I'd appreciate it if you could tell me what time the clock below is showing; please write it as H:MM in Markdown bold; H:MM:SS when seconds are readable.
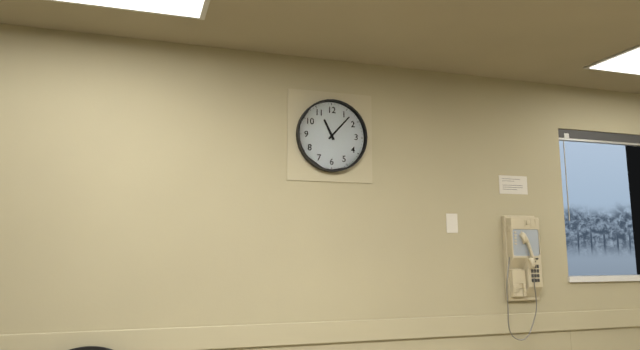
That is **11:07**
